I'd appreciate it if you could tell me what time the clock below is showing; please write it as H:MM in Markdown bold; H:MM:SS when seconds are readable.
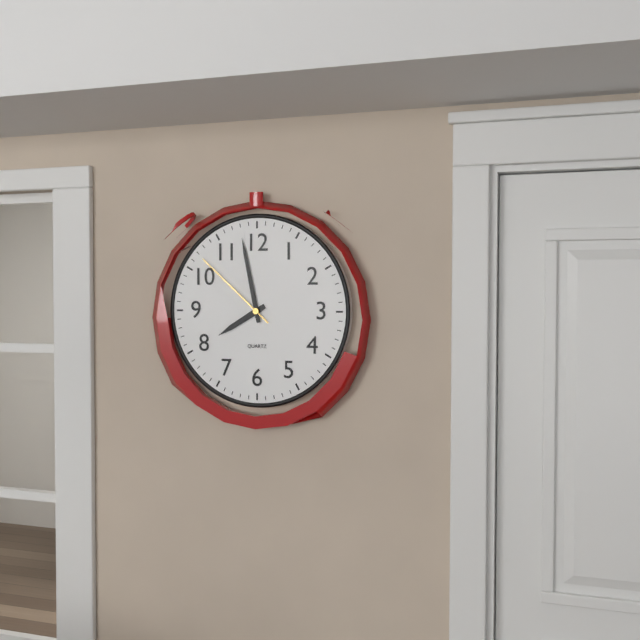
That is **7:58:52**
